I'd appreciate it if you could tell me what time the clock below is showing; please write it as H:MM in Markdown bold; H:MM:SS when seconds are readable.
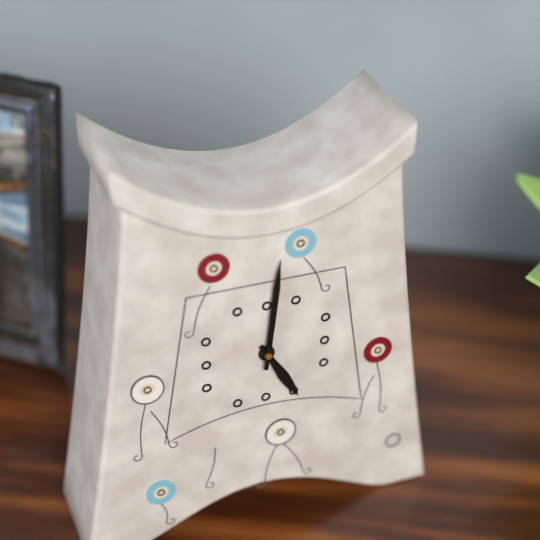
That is **5:01**
